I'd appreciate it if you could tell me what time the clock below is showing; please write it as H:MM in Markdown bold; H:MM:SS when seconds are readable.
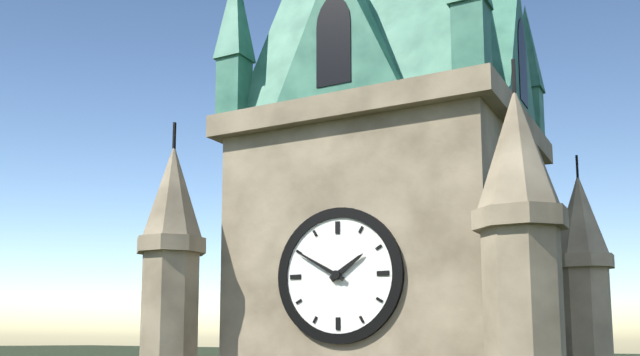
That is **1:50**
